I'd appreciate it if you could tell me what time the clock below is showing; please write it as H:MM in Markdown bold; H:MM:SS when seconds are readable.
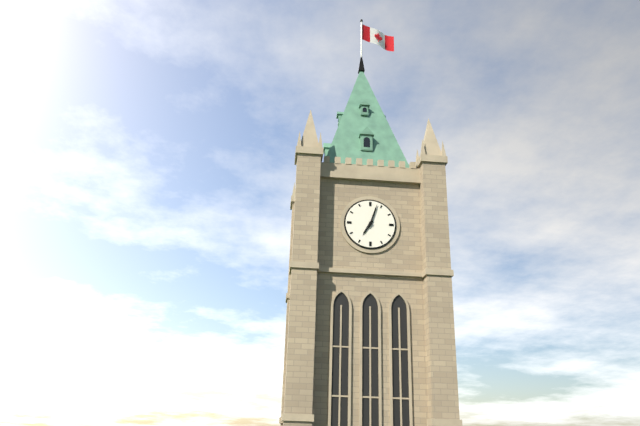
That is **7:03**
